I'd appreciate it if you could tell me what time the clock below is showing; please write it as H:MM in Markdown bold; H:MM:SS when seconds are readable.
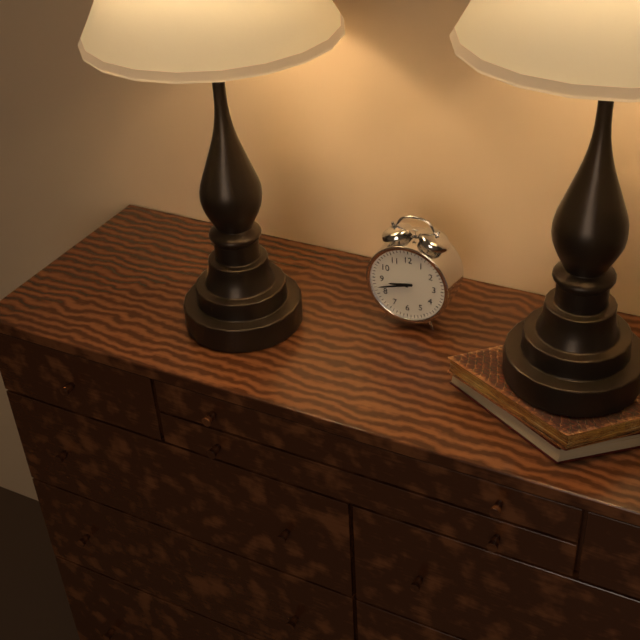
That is **8:42**
